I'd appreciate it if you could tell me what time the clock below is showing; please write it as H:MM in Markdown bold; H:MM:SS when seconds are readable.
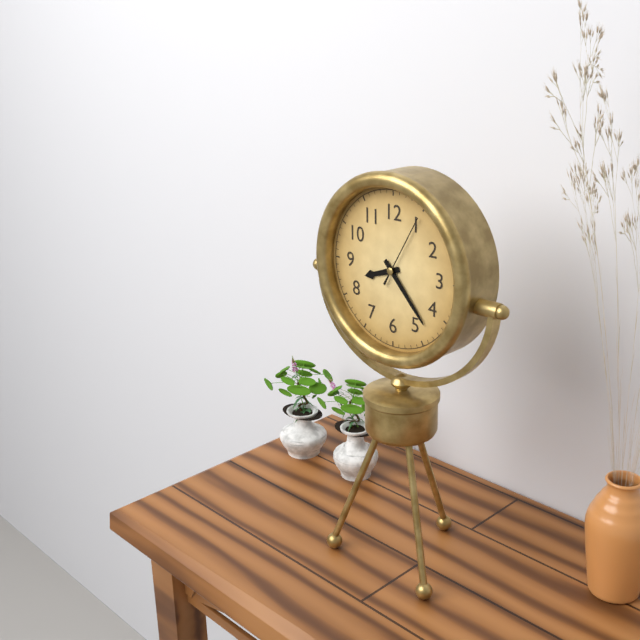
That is **8:23:05**
